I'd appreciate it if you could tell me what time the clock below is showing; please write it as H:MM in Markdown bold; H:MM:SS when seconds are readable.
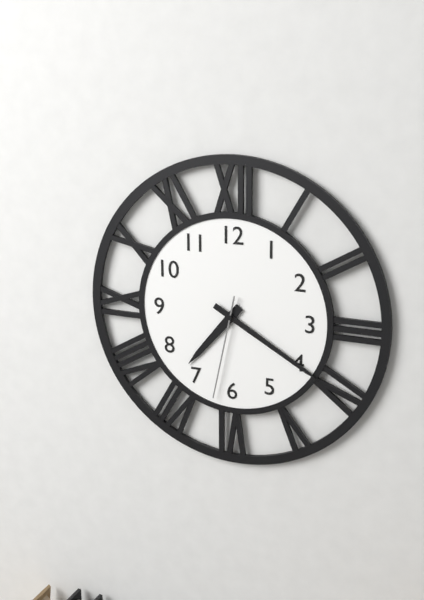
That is **7:20:32**
